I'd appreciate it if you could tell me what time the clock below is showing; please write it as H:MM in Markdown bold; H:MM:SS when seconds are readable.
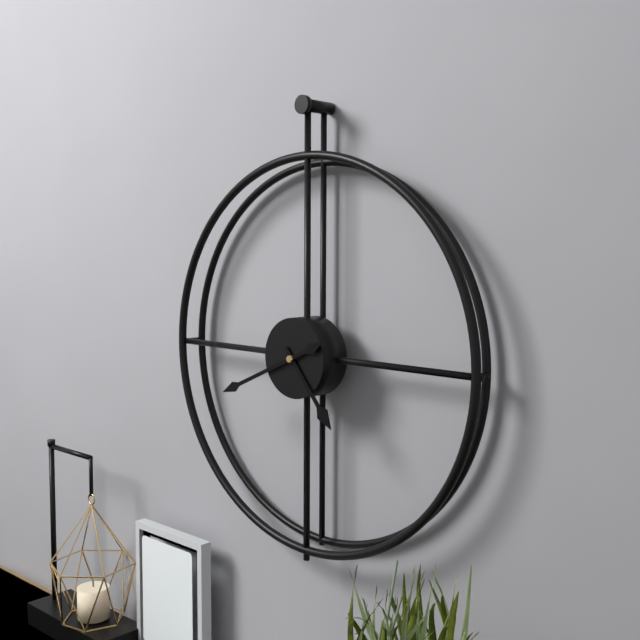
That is **4:41**
